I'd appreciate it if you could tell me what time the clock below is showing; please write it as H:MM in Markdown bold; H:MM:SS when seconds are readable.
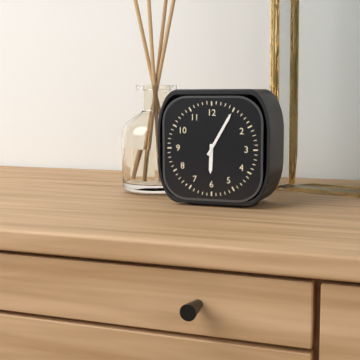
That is **6:05**
